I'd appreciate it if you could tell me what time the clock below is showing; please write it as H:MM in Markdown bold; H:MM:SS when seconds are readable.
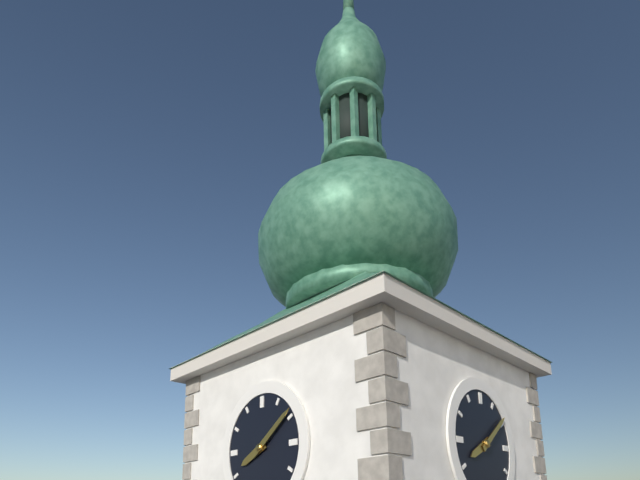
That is **8:09**
